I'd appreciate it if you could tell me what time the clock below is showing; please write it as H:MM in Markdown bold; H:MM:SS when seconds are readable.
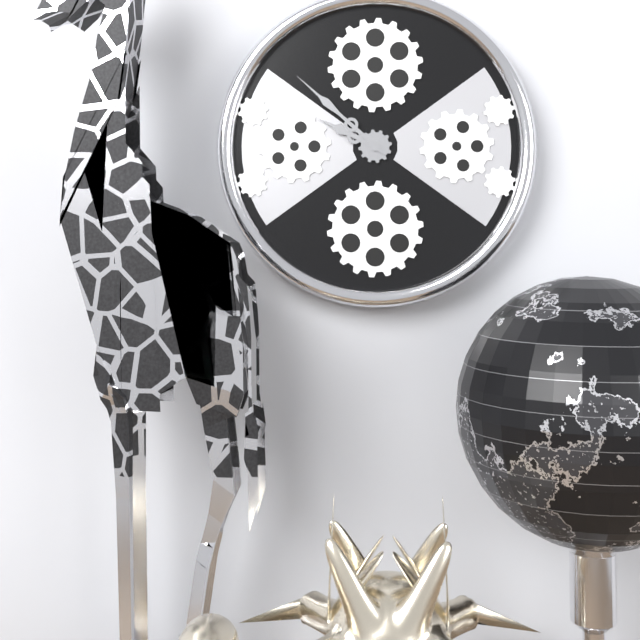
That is **9:52**
